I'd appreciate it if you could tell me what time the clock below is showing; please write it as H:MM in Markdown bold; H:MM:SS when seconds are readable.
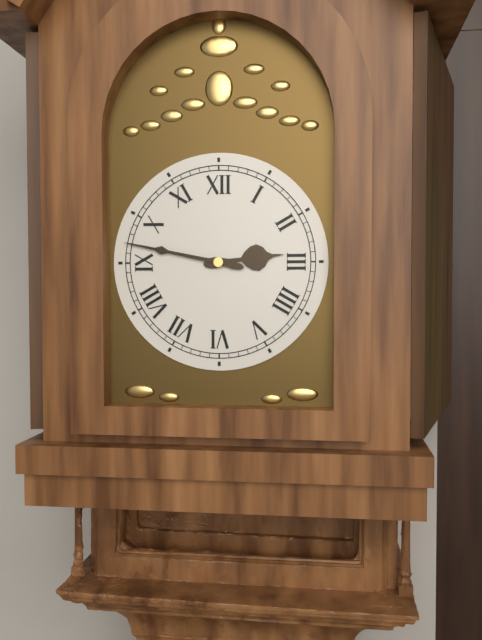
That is **2:47**
